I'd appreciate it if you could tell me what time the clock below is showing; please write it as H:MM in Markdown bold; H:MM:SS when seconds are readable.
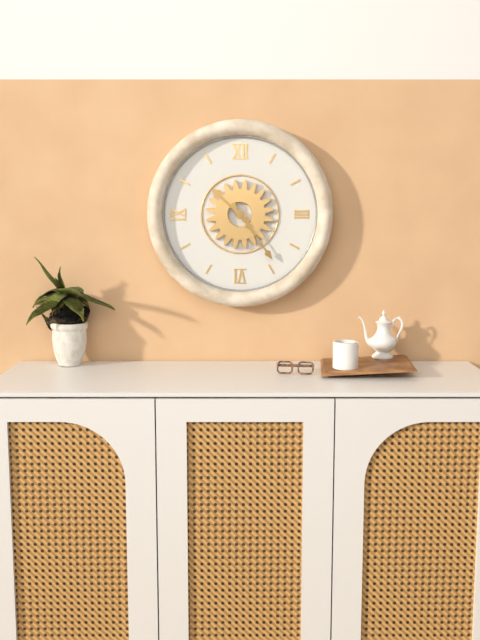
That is **10:24**
